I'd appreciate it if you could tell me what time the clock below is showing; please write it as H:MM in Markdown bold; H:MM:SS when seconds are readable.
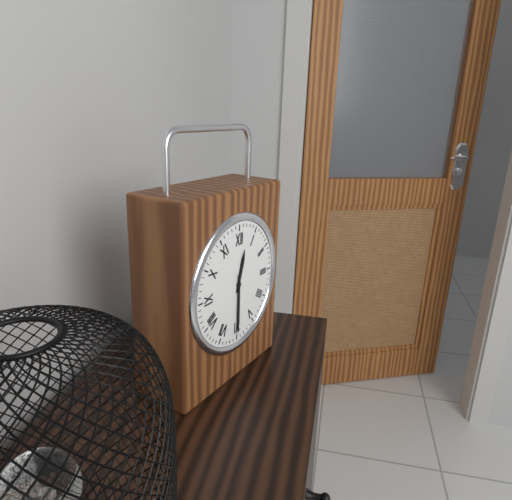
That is **12:30**
